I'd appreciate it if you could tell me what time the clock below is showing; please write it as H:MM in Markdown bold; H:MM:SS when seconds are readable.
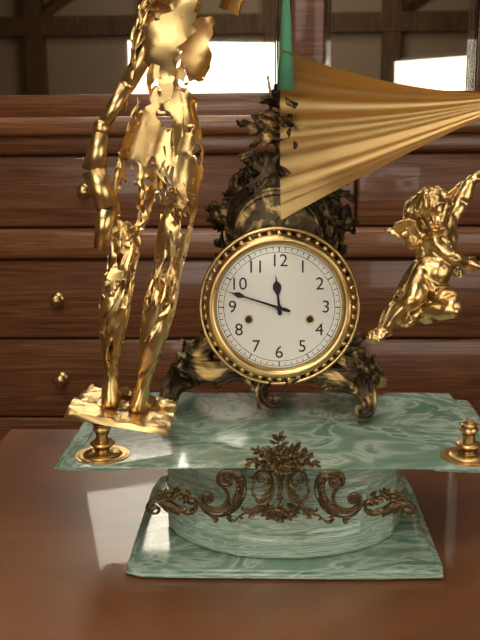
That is **11:48**
